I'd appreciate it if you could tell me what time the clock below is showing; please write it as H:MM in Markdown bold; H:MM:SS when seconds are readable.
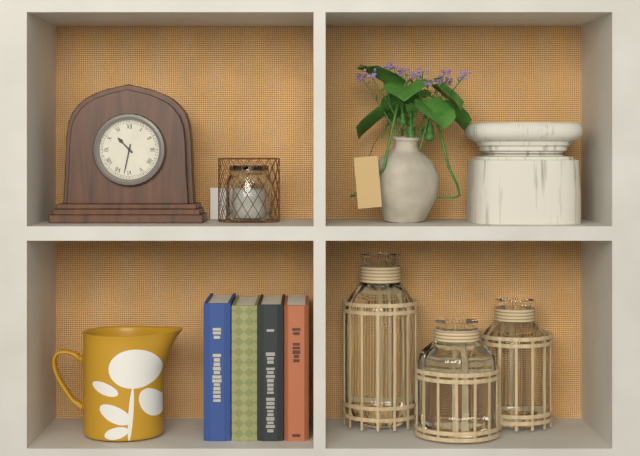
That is **10:32**
